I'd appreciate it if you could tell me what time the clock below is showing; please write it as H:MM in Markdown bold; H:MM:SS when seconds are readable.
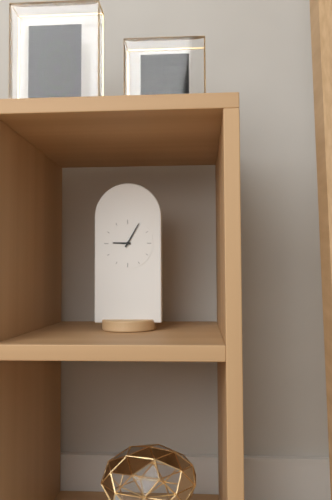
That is **9:05**
